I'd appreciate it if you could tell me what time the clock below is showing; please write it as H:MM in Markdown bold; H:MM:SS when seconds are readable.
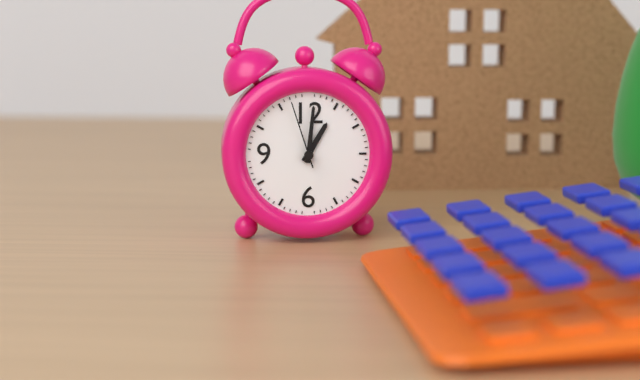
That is **1:01:57**
